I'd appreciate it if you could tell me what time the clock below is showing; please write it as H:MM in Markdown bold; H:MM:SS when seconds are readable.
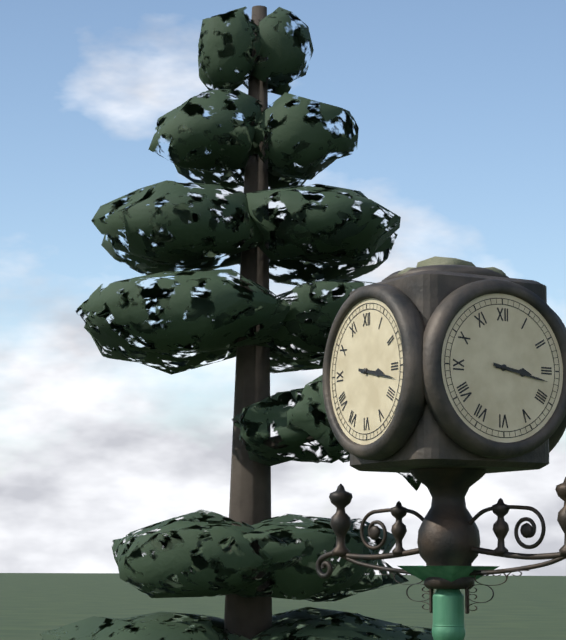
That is **3:17**
